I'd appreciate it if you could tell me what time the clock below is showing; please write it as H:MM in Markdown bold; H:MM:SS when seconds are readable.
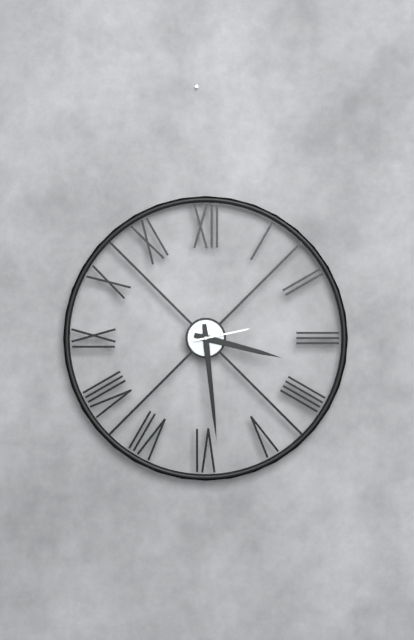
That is **3:29:13**
